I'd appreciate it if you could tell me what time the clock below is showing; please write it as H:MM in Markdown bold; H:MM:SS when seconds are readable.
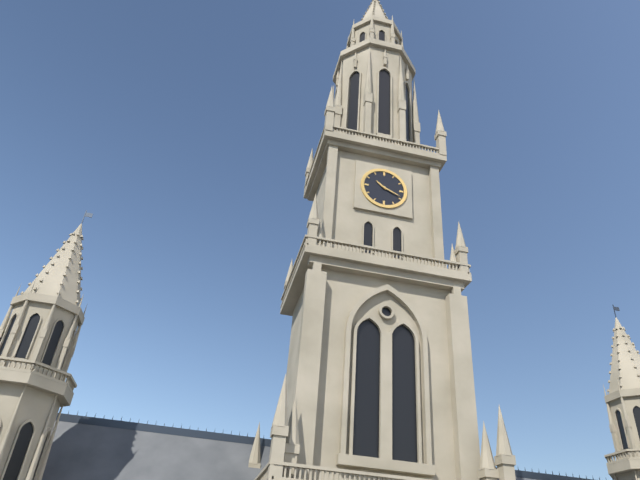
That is **10:19**
